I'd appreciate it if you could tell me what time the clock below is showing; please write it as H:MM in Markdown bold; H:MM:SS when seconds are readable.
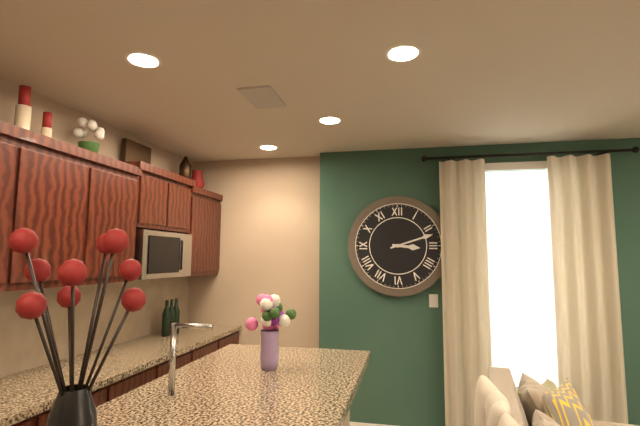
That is **3:12**
